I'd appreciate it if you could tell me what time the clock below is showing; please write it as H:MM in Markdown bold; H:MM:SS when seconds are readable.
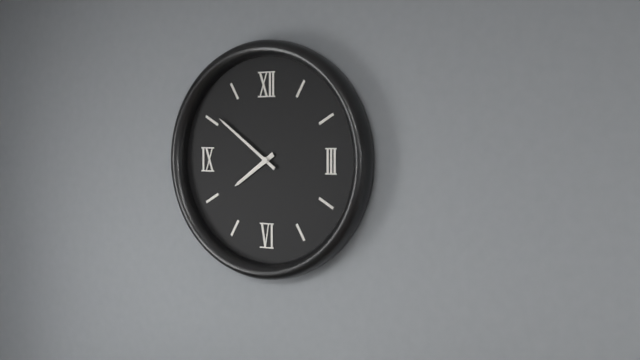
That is **7:51**
